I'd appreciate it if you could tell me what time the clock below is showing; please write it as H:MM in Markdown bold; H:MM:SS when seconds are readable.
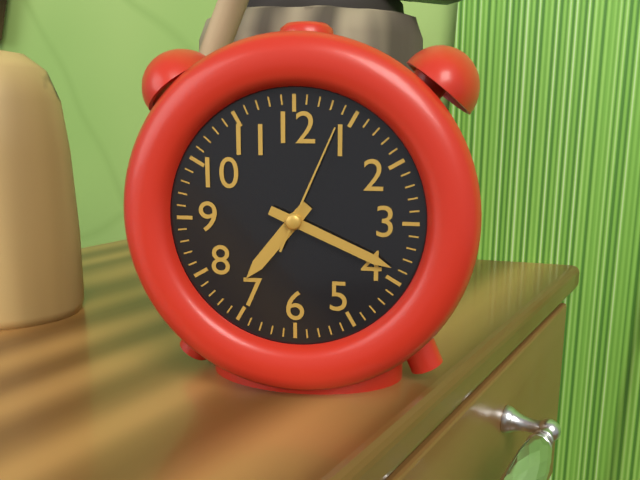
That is **7:19:04**
